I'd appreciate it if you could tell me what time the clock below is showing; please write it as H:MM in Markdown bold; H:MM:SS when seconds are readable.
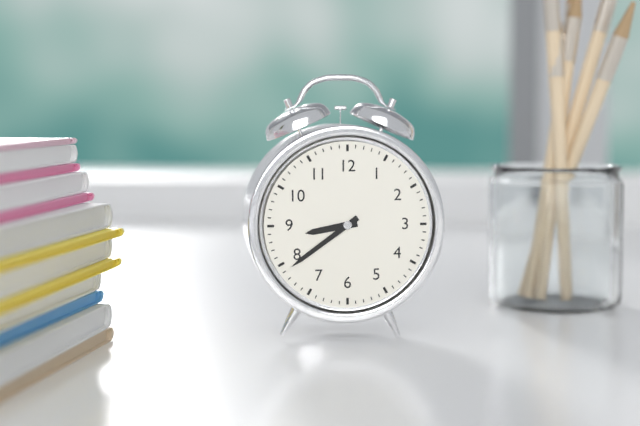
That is **8:39**
